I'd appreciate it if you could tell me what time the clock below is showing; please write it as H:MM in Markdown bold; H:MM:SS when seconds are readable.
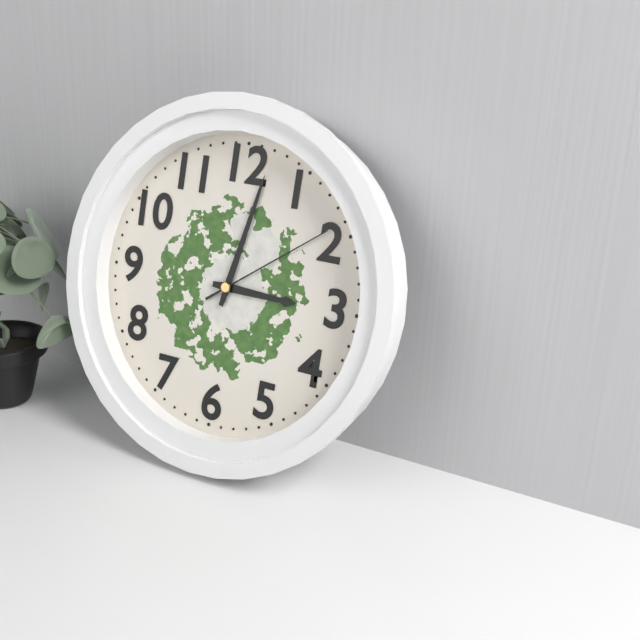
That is **3:02:09**
